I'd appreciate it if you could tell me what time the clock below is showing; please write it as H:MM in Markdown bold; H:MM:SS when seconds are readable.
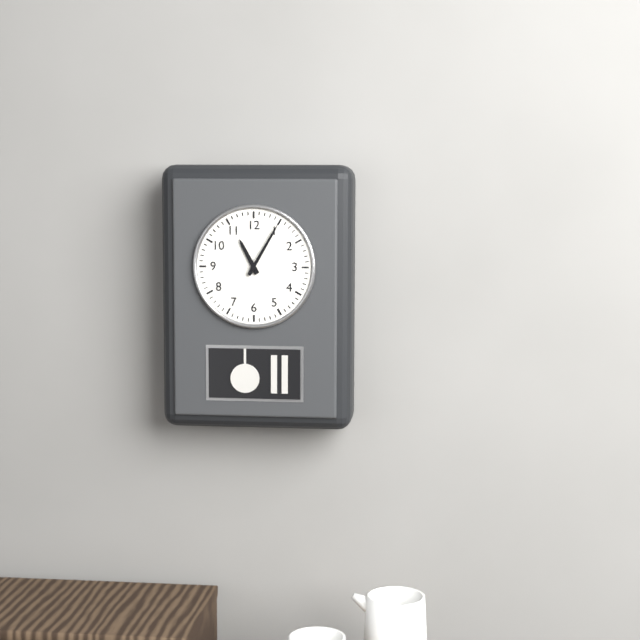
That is **11:05**
